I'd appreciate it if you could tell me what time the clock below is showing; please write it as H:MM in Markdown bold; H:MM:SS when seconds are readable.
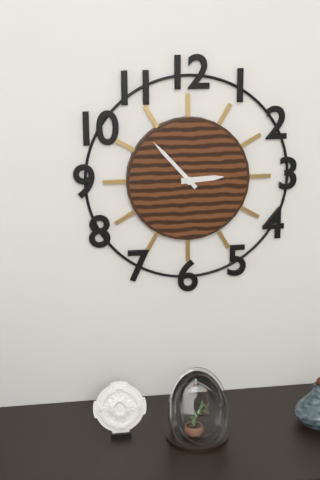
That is **2:53**
